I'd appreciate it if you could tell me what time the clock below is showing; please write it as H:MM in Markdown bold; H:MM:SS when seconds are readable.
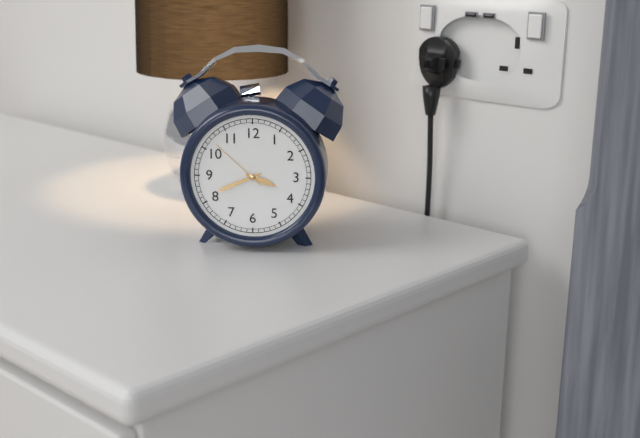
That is **3:41:52**
